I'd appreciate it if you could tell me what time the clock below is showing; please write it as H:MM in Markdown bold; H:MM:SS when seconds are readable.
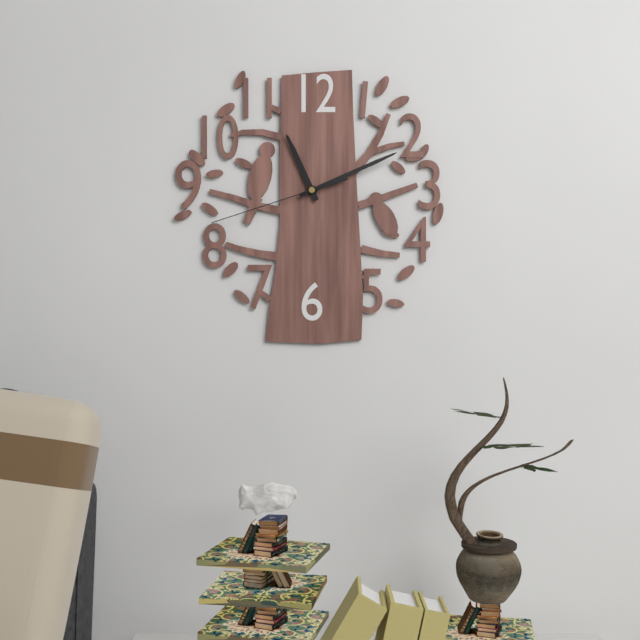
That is **11:11:42**
